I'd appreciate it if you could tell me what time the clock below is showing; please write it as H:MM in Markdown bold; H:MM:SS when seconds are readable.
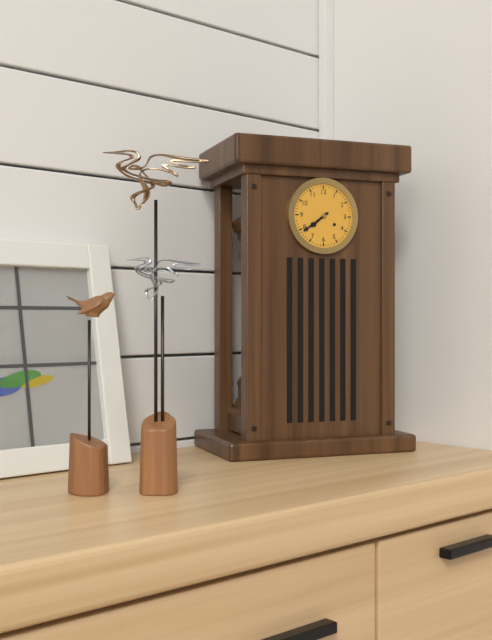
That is **7:39**
